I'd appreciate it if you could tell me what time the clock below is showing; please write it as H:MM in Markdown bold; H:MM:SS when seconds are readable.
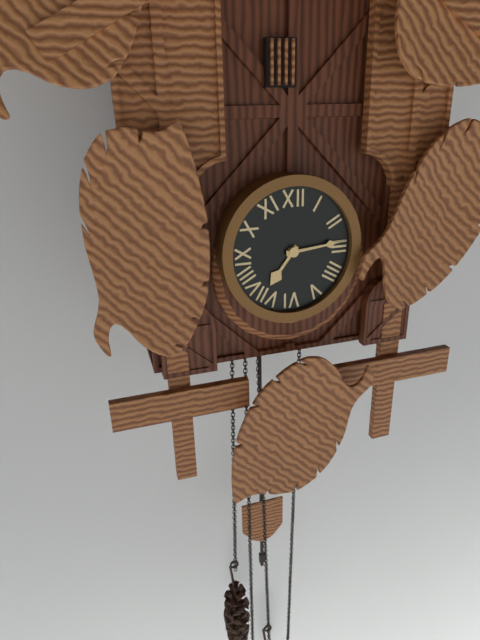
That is **7:14**
